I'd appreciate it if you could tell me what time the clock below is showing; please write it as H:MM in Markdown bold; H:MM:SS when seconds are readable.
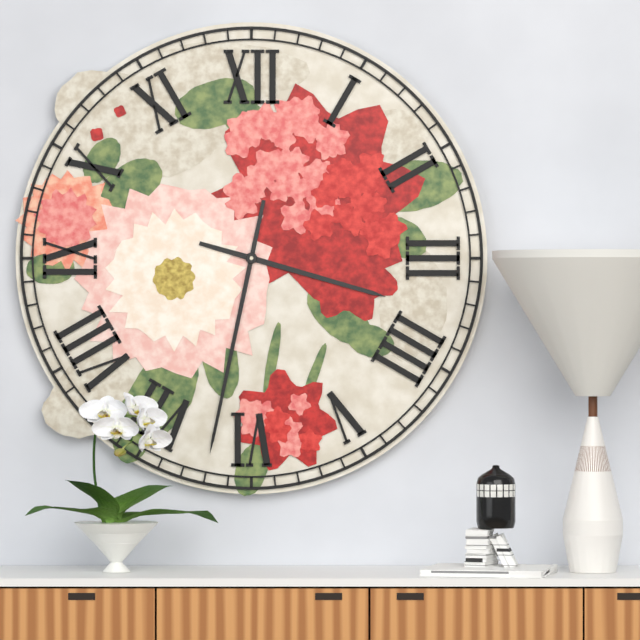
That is **3:32**
